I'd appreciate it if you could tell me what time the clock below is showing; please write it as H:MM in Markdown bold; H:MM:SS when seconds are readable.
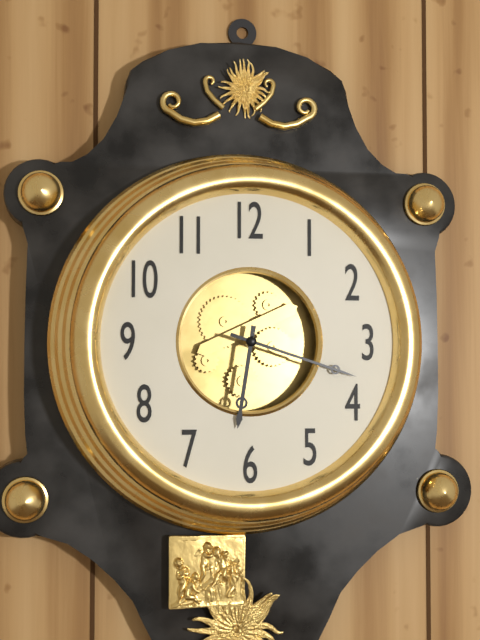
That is **6:18**
